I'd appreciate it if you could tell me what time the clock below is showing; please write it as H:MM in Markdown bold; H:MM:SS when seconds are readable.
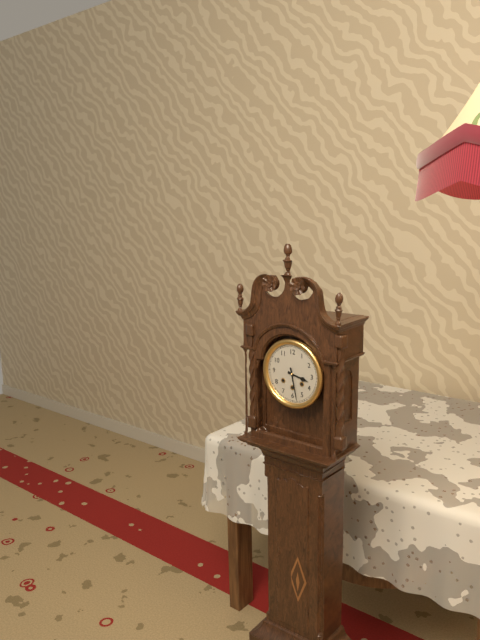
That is **3:28**
